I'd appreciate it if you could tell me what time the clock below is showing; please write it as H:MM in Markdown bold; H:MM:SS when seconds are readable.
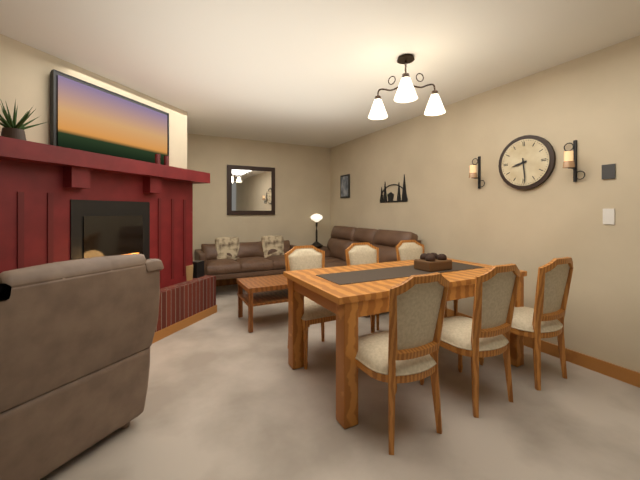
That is **8:29**
